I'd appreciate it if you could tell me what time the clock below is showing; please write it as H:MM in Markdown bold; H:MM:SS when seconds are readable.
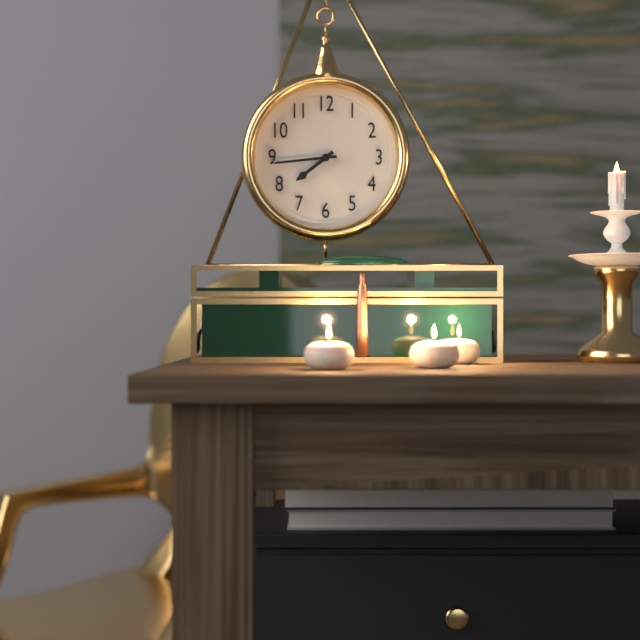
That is **7:44**
